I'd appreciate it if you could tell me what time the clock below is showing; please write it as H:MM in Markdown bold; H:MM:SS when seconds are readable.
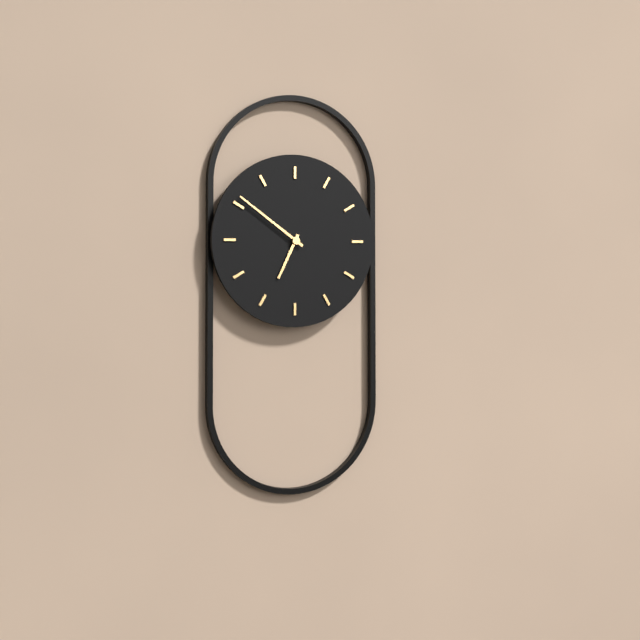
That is **6:51**
